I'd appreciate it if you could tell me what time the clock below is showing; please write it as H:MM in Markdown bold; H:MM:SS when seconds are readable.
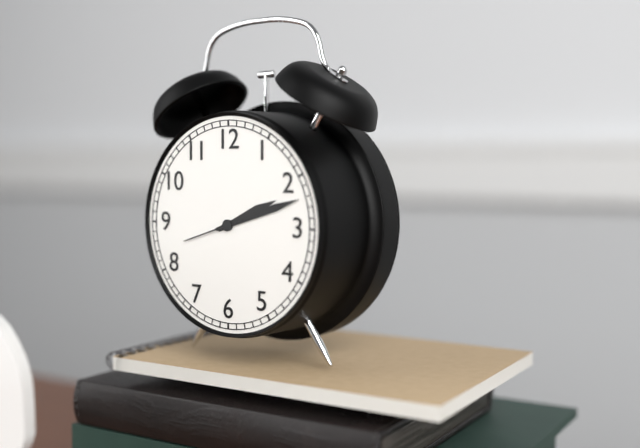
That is **2:12:42**
